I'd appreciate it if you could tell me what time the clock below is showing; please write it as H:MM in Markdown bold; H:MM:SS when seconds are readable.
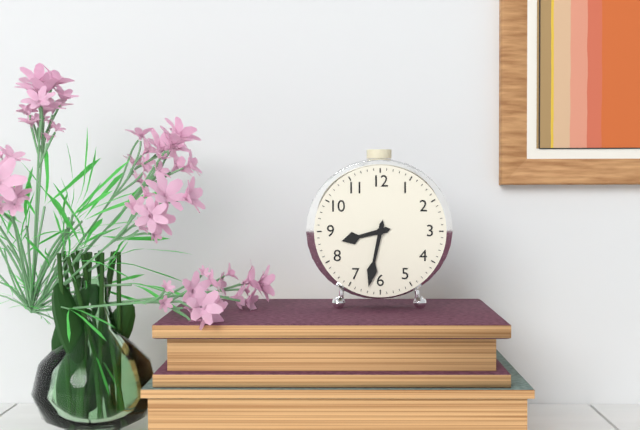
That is **8:32**
